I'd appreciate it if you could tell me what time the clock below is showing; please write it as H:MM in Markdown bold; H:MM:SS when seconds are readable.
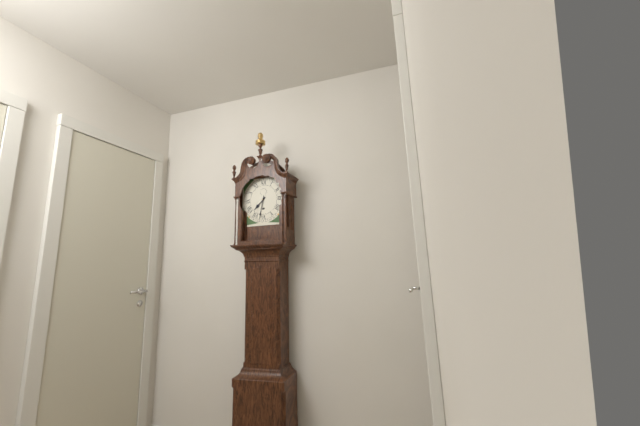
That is **7:32**
